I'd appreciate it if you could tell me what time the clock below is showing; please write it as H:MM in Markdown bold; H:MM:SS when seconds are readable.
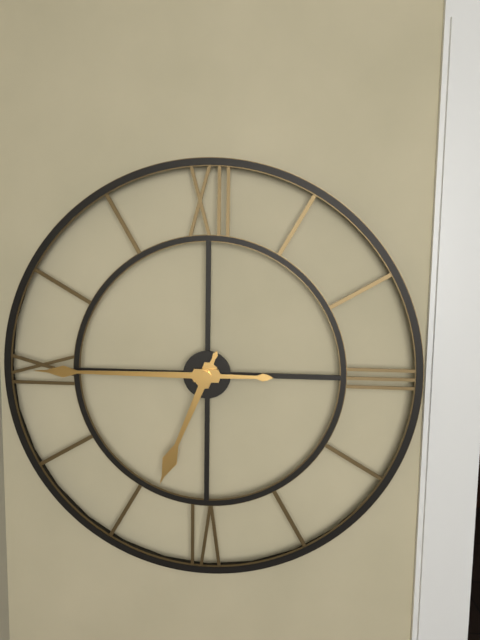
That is **6:45**
